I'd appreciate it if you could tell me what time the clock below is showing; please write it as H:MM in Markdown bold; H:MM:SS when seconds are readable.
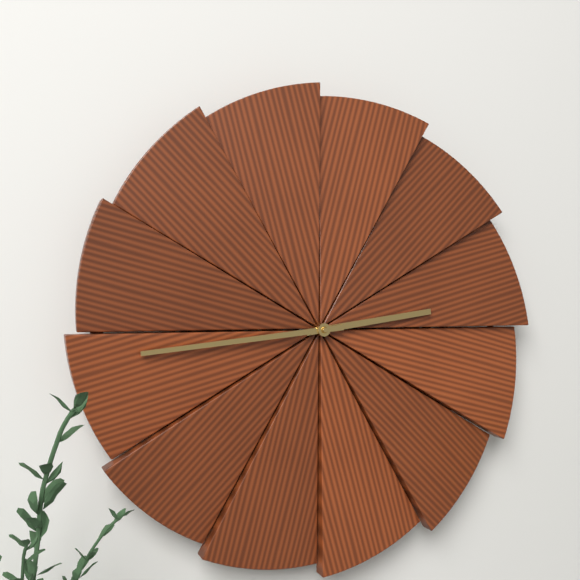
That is **2:44**
